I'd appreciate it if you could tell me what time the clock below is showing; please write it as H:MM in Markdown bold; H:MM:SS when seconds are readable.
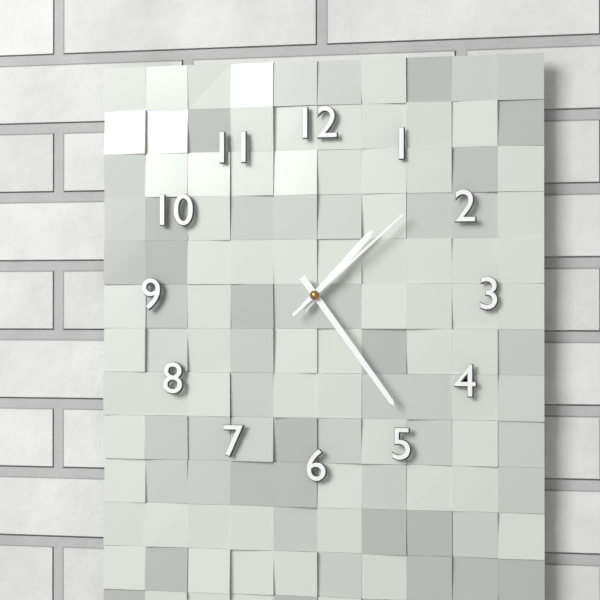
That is **1:24:08**
